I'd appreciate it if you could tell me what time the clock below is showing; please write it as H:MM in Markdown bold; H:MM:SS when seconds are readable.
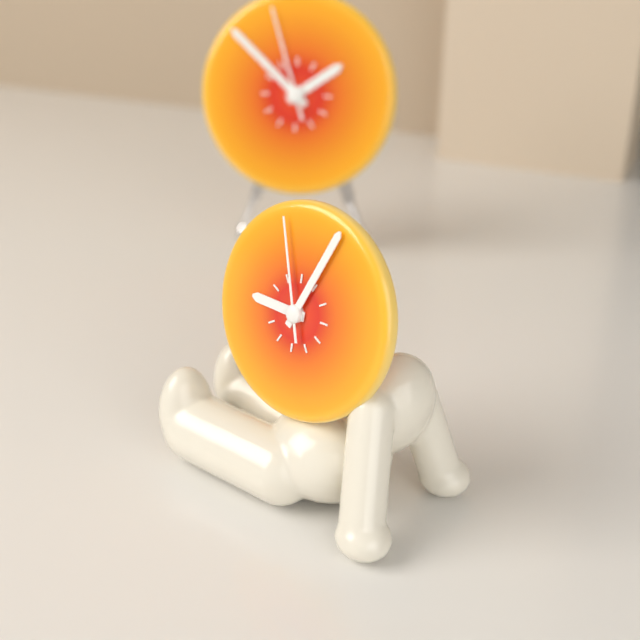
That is **9:04:57**
